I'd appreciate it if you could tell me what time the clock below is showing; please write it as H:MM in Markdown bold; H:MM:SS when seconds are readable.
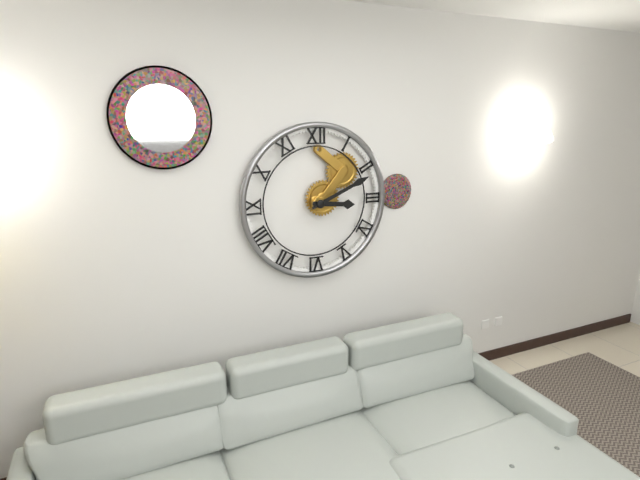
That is **3:11**
